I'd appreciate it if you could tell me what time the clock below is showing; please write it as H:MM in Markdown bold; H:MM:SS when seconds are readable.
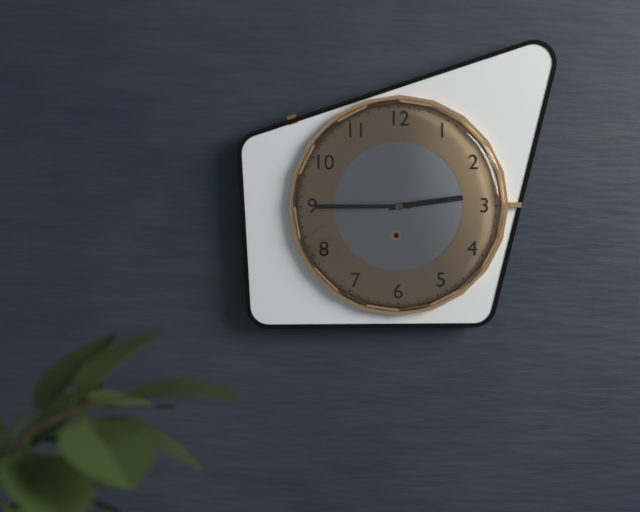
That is **2:45**
